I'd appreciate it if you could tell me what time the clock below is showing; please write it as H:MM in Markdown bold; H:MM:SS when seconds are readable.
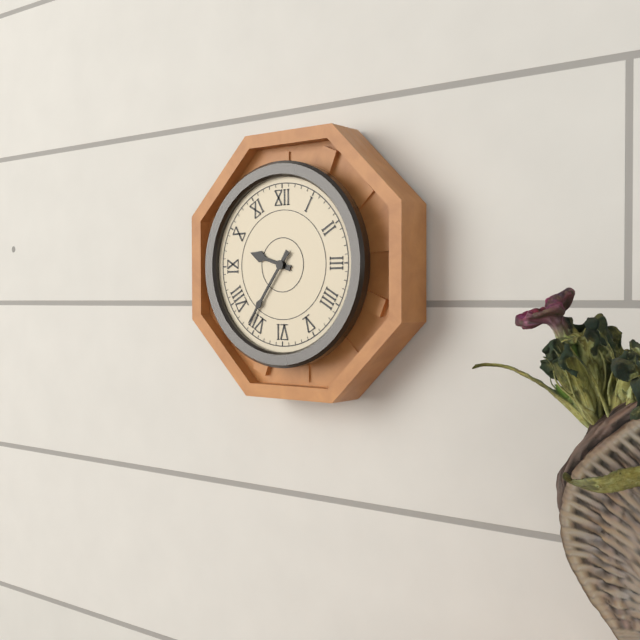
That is **9:36**
